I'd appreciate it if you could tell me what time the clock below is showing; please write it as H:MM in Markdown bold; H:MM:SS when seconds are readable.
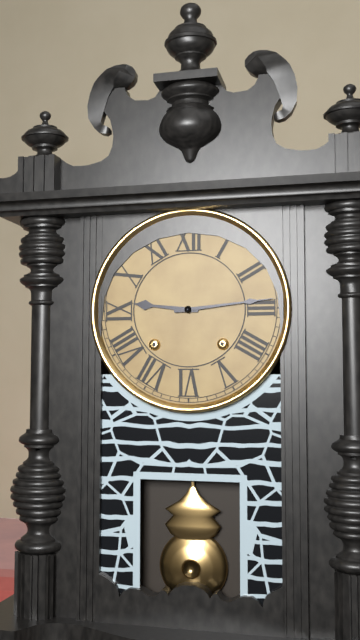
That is **9:14**
